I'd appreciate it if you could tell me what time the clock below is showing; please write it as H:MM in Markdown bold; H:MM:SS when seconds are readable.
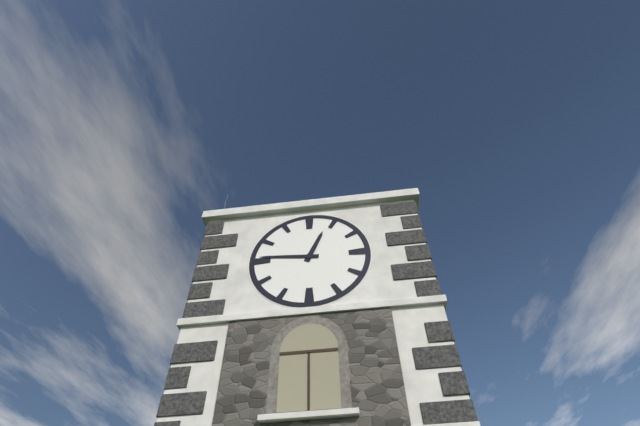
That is **12:46**
